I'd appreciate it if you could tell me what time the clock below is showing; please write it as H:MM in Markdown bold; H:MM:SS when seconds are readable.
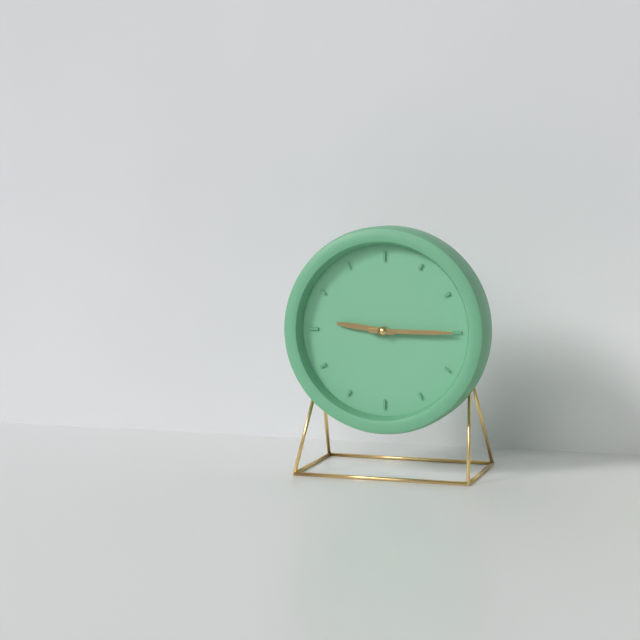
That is **9:15**
